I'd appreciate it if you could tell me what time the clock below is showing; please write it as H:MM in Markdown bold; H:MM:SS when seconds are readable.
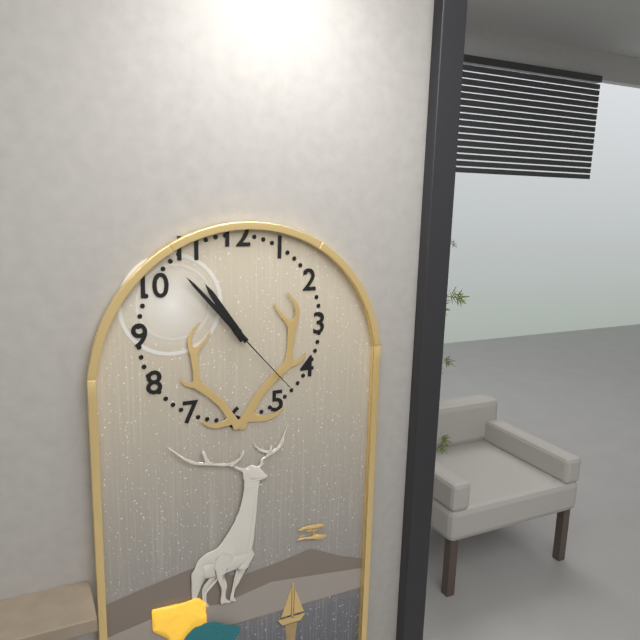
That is **10:53:23**
